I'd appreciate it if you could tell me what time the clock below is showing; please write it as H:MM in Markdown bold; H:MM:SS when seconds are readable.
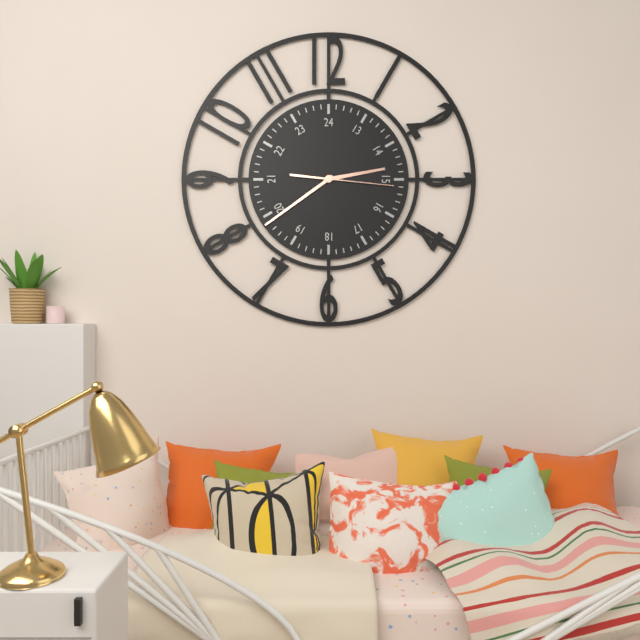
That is **2:39:16**
